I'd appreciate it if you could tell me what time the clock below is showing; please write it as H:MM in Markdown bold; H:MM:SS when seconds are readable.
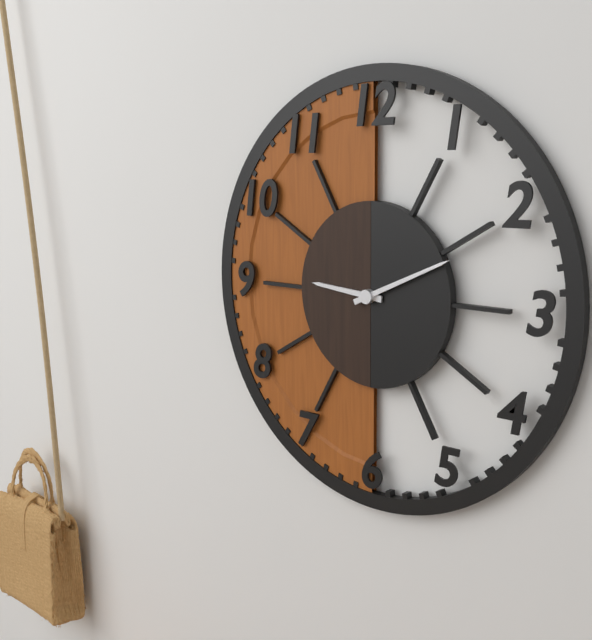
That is **9:11**
